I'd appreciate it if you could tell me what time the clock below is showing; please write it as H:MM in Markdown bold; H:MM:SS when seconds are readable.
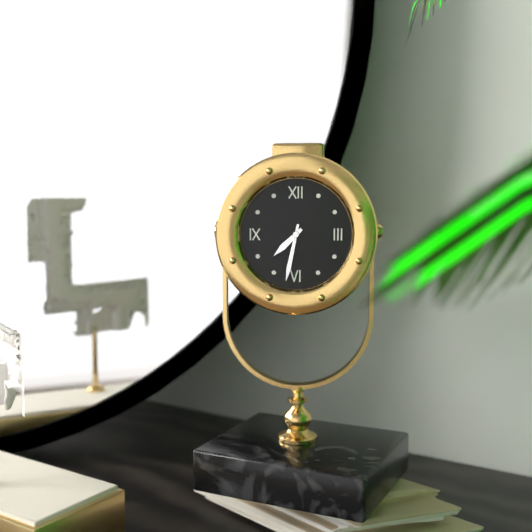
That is **7:32**
